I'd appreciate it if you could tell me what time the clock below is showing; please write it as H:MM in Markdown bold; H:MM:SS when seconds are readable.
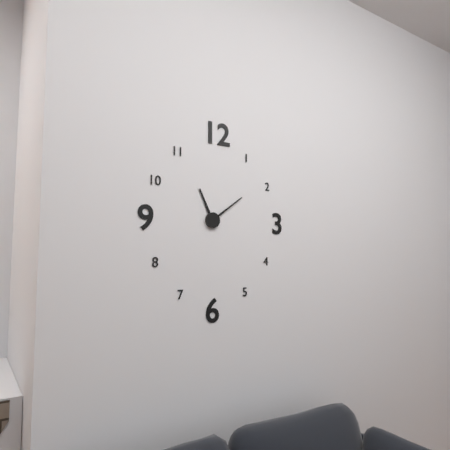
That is **11:09**
